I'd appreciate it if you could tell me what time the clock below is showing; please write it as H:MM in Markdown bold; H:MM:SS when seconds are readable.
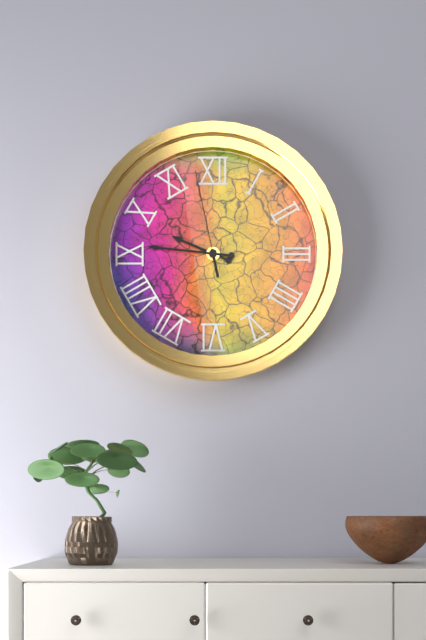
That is **9:46:58**
